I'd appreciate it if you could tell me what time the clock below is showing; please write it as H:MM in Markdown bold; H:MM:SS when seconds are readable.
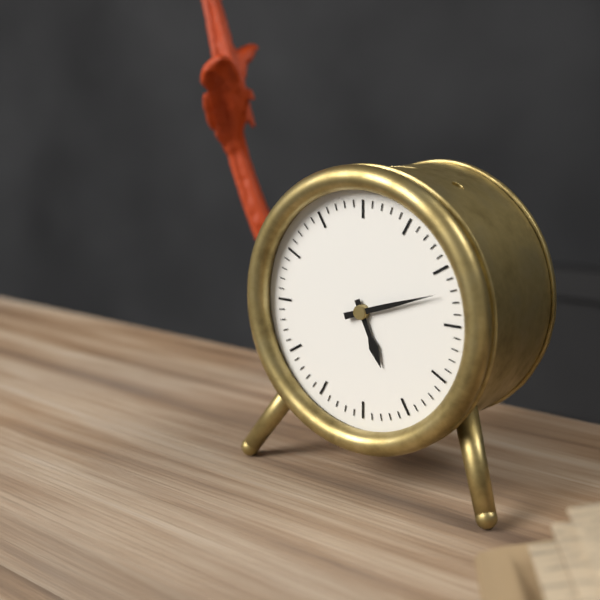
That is **5:12**
